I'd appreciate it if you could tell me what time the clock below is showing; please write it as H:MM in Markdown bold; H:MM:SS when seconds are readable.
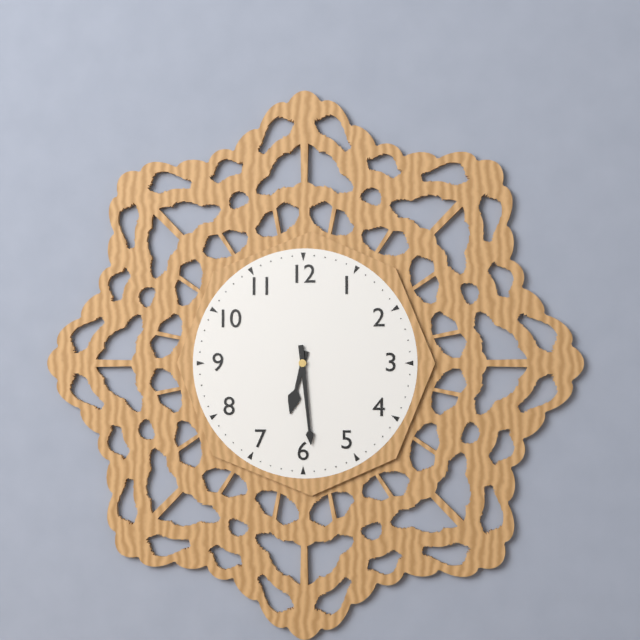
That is **6:29**
